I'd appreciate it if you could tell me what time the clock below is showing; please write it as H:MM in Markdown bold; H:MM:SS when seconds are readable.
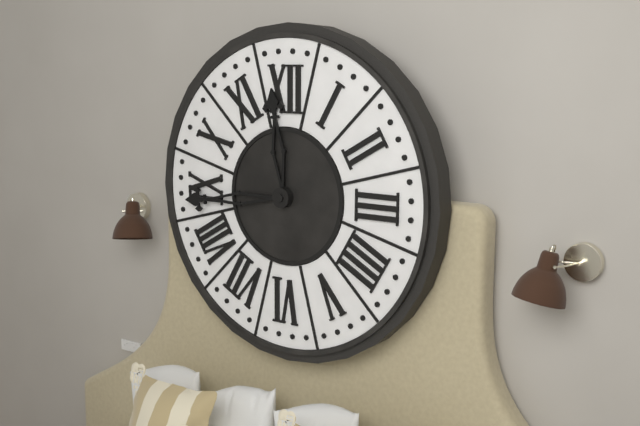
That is **11:44**
